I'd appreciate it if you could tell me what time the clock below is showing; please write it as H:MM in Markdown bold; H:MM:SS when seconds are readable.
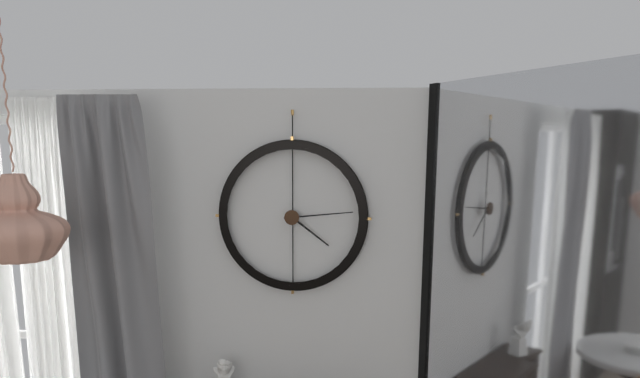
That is **4:14**
